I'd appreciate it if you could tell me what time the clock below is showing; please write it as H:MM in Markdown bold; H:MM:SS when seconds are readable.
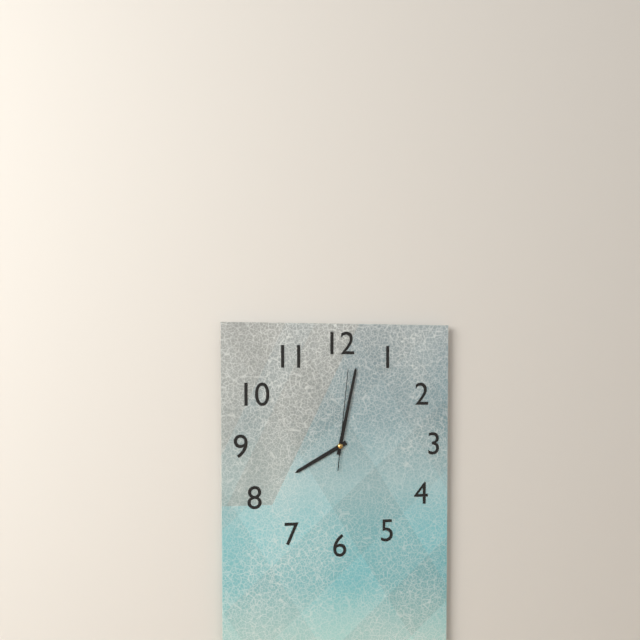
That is **8:02:01**
